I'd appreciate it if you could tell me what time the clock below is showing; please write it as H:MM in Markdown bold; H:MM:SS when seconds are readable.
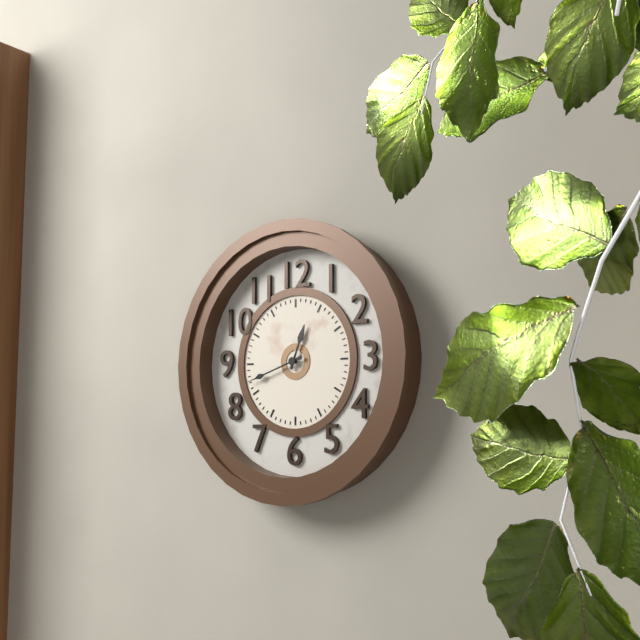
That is **12:42**
